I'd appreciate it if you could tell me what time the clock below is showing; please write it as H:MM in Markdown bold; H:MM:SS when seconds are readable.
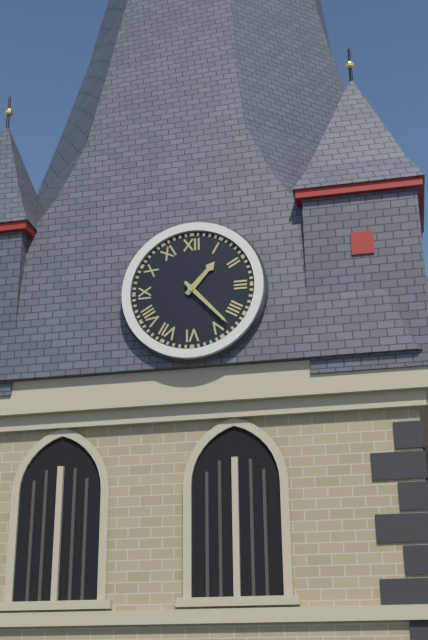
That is **1:23**
